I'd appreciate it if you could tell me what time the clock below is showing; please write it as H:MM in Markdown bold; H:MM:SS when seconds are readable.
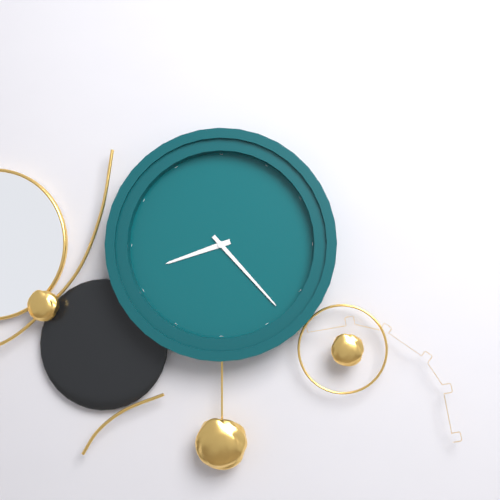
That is **8:23**
